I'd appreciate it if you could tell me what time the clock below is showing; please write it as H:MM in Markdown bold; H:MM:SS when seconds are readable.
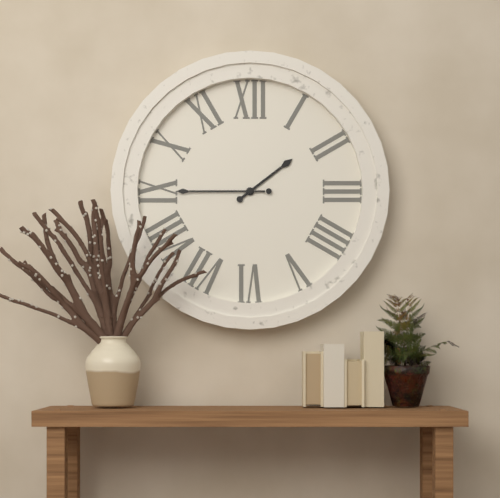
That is **1:45**
